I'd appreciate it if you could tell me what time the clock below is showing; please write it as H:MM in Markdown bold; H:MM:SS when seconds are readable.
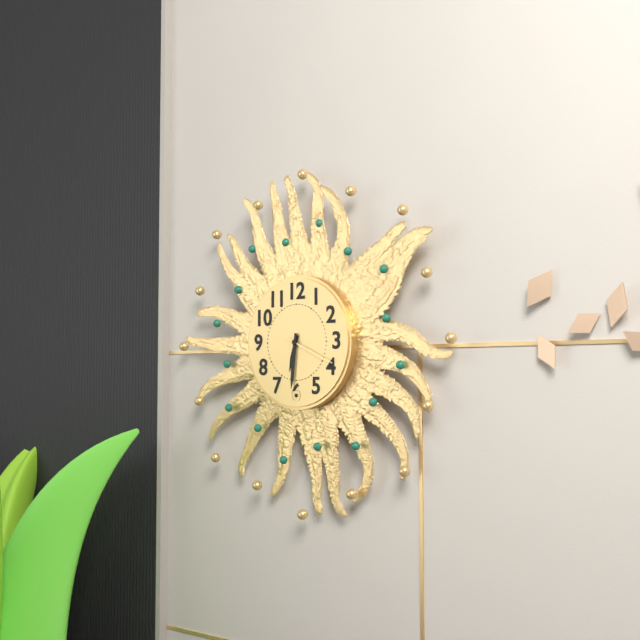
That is **6:31:19**
